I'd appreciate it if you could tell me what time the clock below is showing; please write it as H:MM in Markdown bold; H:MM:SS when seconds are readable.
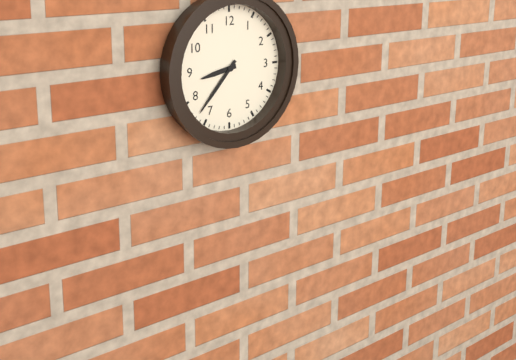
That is **8:37**
